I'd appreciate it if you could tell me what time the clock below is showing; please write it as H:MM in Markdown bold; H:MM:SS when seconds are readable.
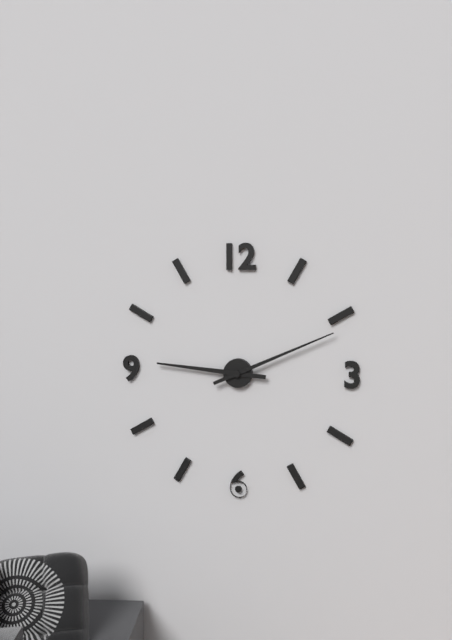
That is **9:11**
